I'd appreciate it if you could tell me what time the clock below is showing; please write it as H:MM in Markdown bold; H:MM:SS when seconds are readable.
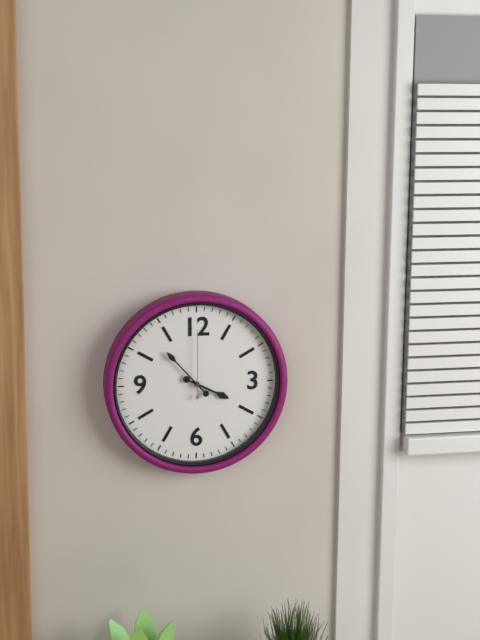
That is **3:53:00**
